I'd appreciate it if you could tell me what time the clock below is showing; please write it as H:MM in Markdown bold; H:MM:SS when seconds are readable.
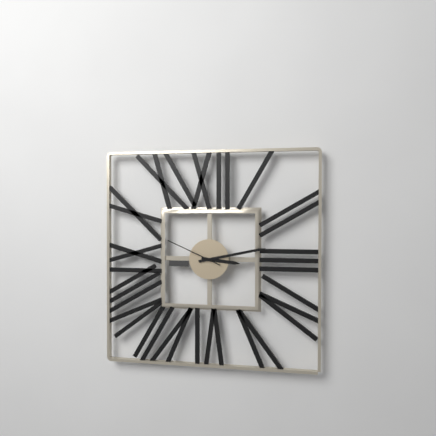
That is **3:13:49**
